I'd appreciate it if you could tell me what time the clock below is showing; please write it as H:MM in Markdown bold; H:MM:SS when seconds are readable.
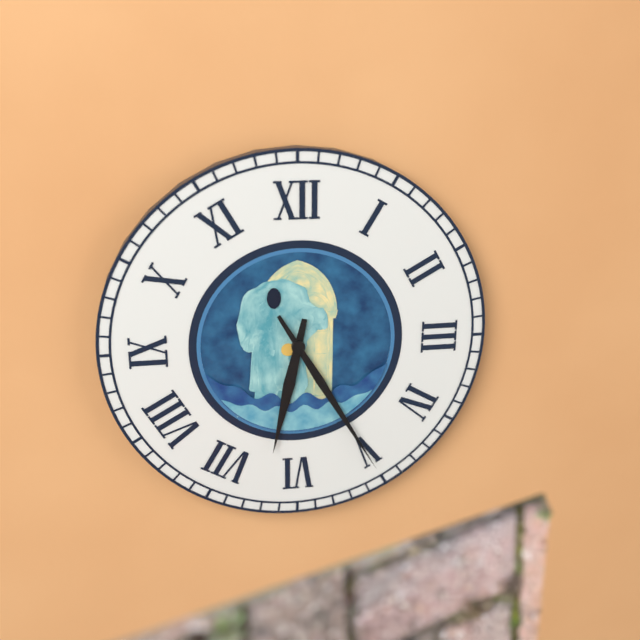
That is **6:25**
